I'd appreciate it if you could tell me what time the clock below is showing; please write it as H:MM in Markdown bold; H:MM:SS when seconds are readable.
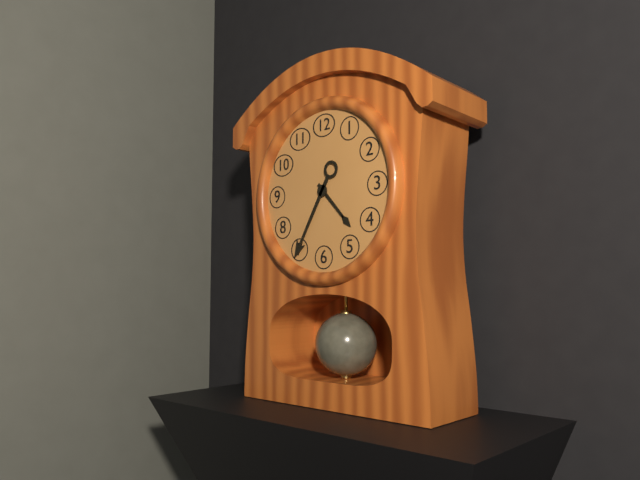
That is **4:35**
